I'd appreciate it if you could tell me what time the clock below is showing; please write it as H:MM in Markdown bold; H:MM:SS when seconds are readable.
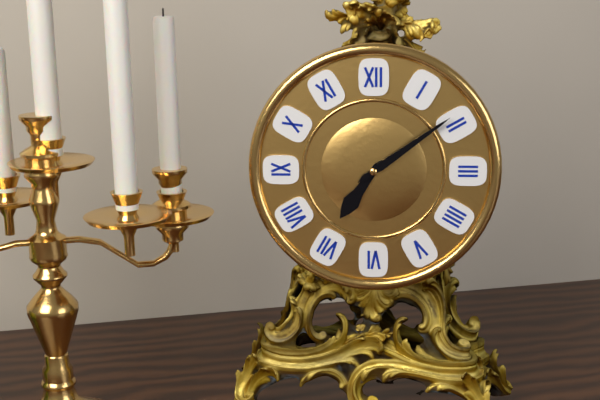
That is **7:09**
